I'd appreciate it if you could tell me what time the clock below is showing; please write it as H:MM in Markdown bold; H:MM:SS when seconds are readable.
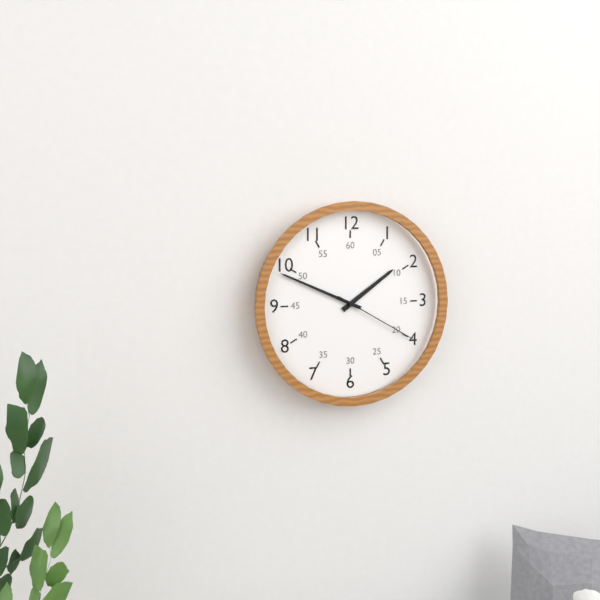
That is **1:49:20**
